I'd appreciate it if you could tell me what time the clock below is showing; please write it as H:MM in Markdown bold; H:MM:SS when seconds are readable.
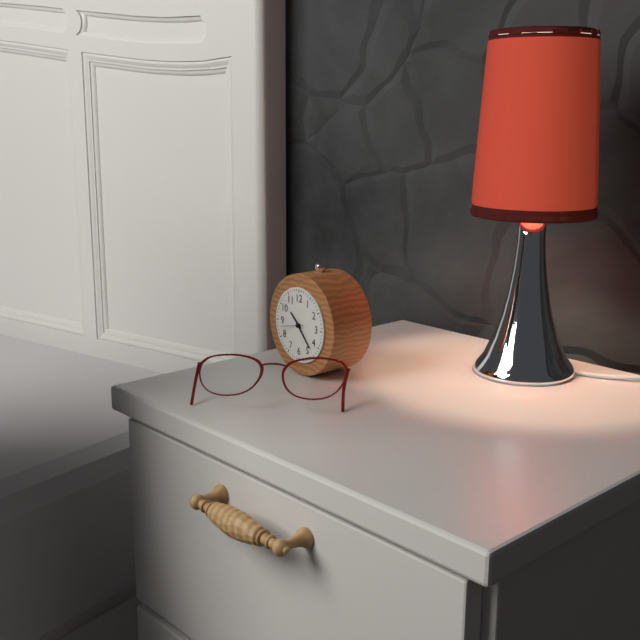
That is **10:23**
